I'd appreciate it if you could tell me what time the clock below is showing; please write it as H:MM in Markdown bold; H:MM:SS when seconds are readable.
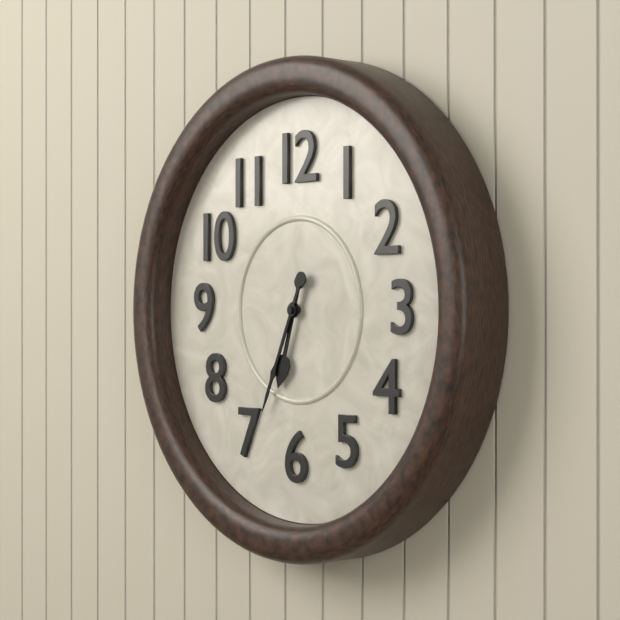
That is **6:34**
